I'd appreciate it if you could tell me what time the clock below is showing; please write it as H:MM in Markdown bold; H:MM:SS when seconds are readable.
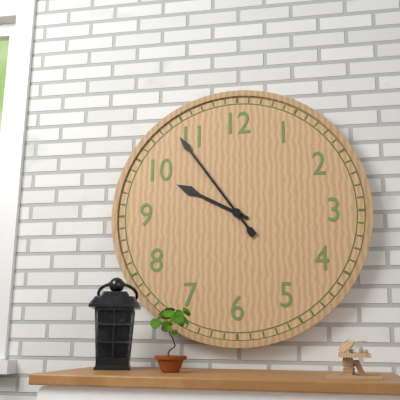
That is **9:54**
